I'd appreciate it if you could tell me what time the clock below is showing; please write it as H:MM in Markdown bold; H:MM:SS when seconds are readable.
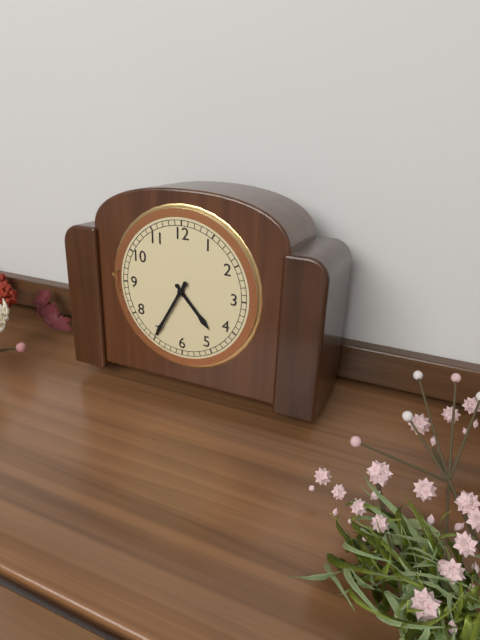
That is **4:35**
